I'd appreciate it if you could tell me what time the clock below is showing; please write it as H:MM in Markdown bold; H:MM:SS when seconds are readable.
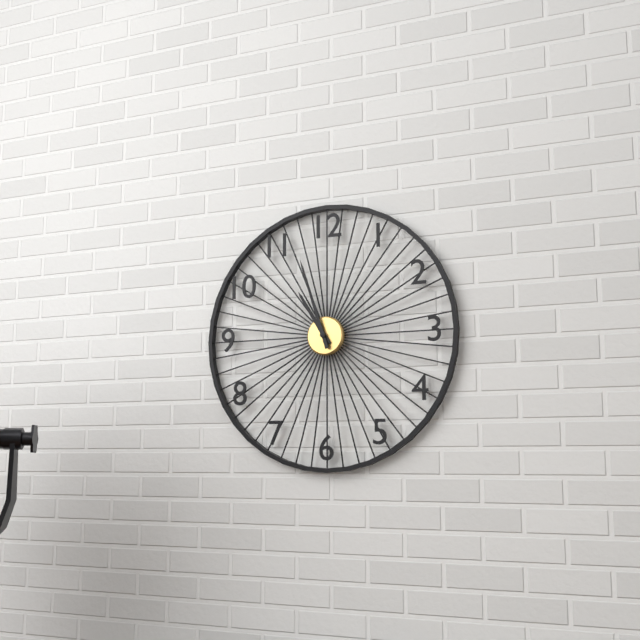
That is **10:57**
